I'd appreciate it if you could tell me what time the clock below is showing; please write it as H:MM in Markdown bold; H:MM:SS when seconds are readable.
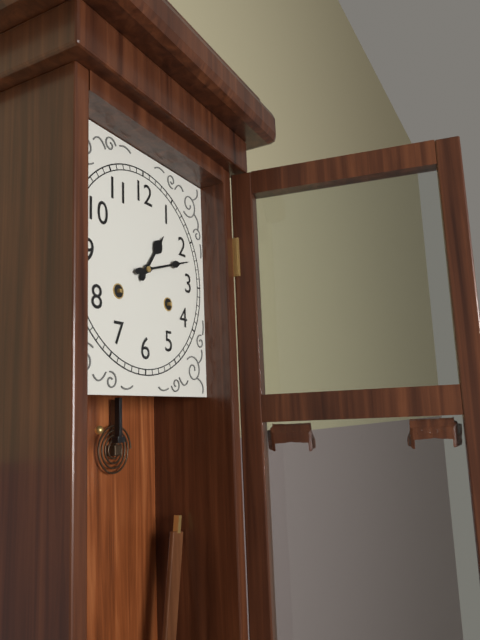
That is **1:12**
